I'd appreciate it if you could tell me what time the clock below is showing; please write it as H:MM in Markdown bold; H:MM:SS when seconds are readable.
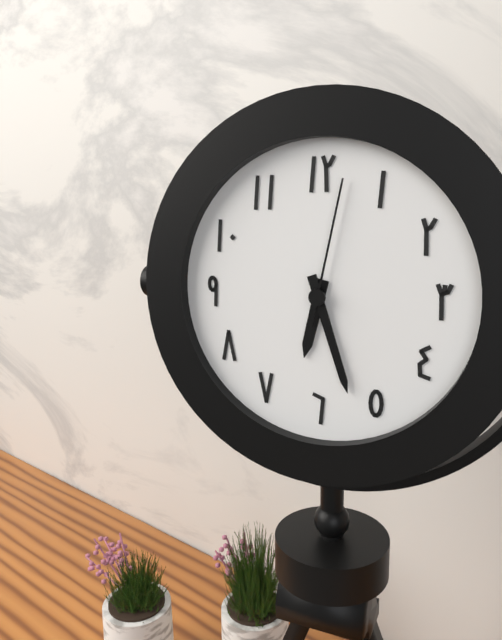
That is **6:27:02**
